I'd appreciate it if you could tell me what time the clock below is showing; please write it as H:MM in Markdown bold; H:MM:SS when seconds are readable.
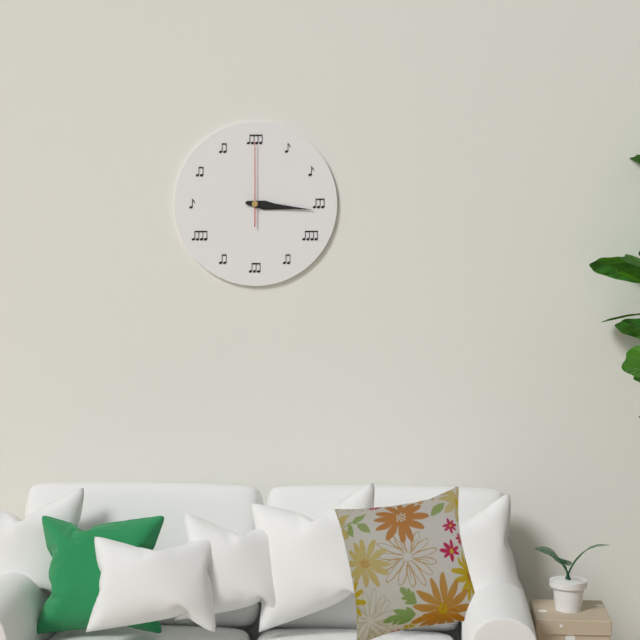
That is **3:16:00**
